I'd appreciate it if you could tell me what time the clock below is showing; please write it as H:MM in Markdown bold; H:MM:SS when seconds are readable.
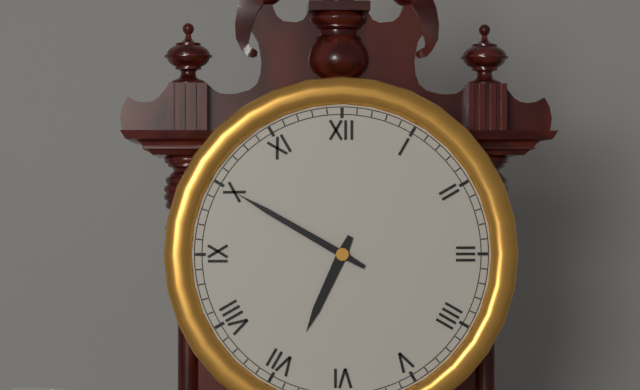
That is **6:50**
